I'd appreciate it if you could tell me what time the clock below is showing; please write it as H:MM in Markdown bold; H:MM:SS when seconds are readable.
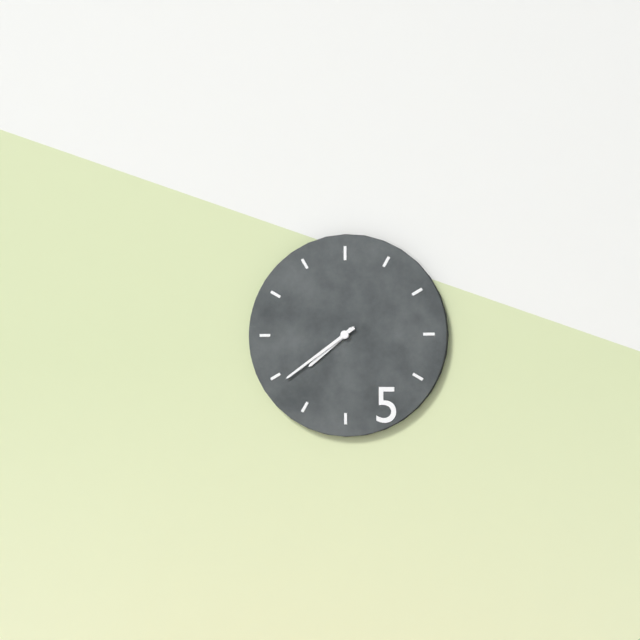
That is **7:39**
